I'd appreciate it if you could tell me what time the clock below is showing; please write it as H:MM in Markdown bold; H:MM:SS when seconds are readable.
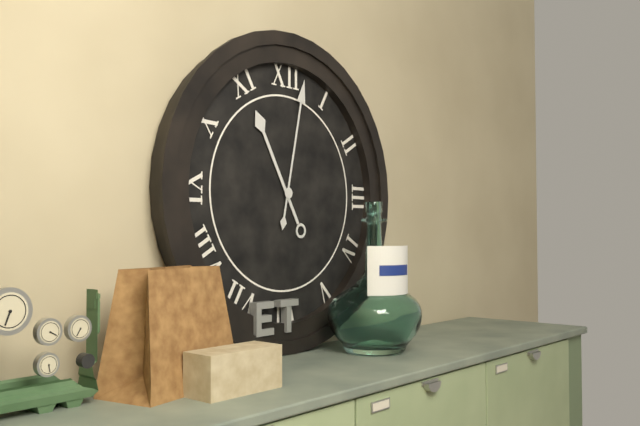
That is **11:02**
